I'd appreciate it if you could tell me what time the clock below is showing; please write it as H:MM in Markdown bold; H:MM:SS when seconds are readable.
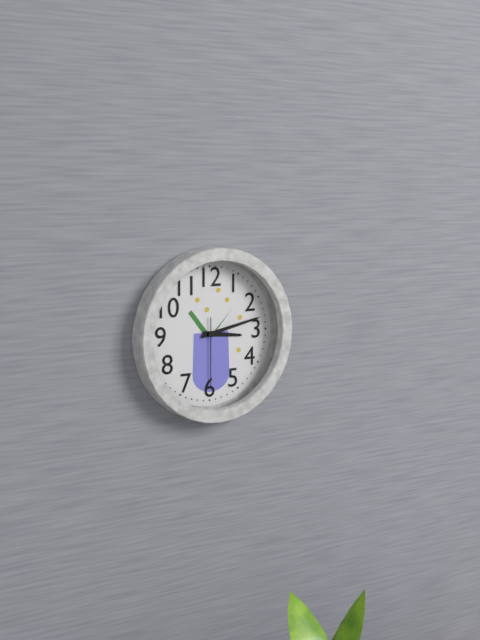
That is **3:13:30**
